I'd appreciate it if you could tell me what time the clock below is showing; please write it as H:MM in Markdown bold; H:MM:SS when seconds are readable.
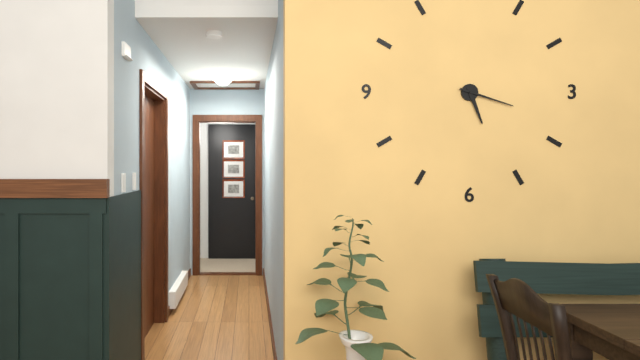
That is **5:18**
